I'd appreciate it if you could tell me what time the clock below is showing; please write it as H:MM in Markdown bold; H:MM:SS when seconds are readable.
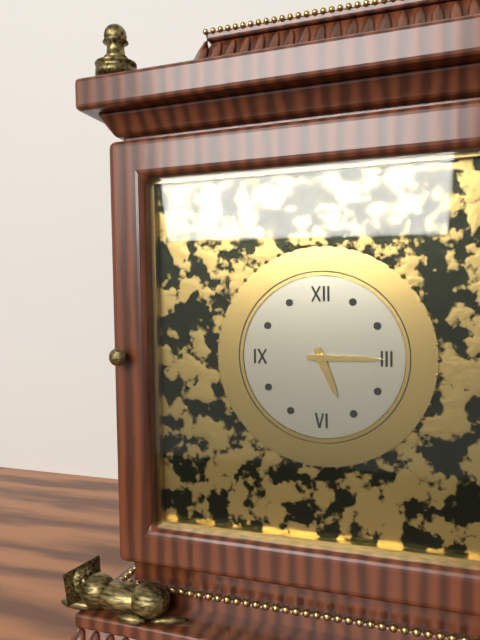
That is **5:15**
